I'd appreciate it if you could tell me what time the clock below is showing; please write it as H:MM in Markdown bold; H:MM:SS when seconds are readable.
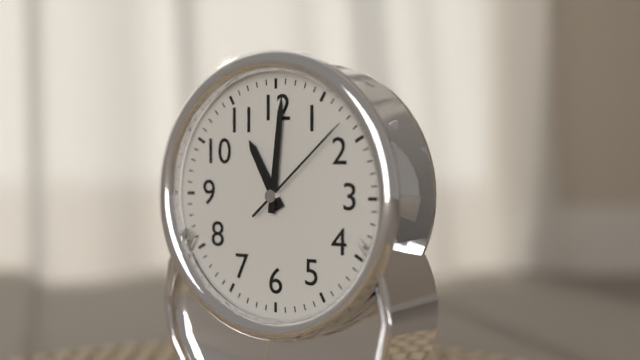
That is **11:01:08**
